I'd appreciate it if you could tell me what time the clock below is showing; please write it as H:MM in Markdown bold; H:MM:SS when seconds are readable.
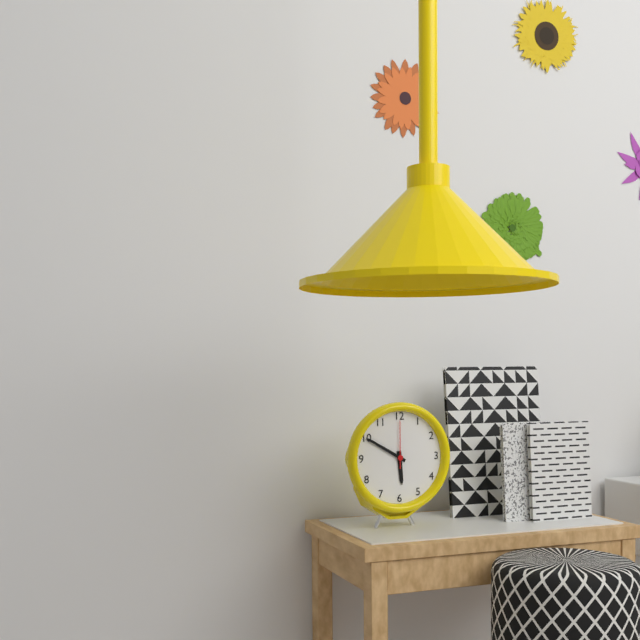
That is **5:50**
